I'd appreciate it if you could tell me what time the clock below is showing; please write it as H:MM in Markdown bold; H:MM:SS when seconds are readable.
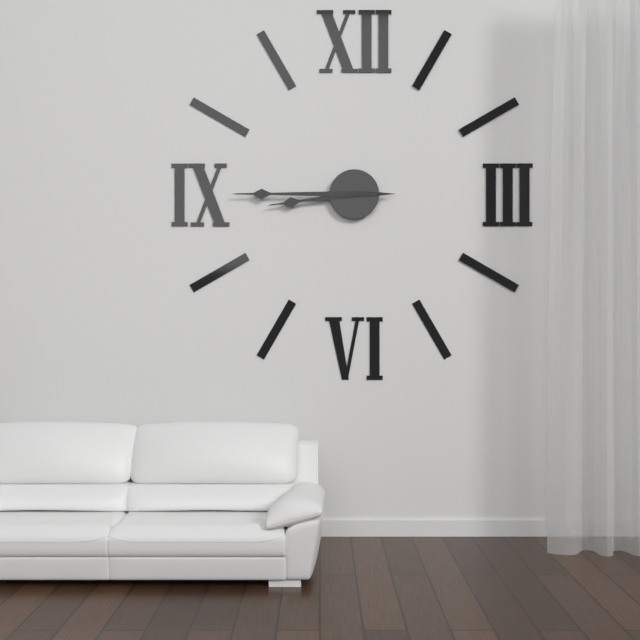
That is **8:45**
